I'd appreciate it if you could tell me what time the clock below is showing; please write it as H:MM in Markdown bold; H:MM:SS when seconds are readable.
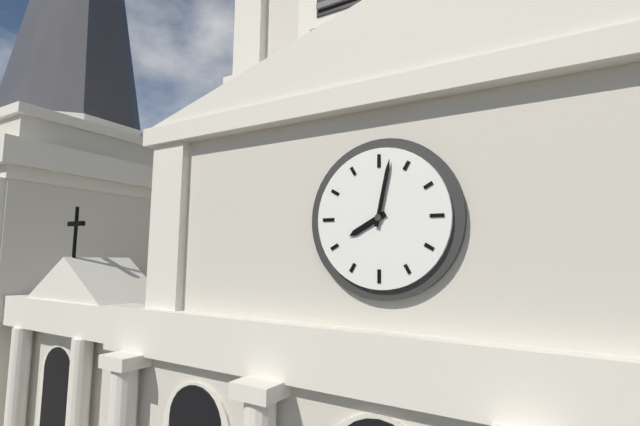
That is **8:02**
